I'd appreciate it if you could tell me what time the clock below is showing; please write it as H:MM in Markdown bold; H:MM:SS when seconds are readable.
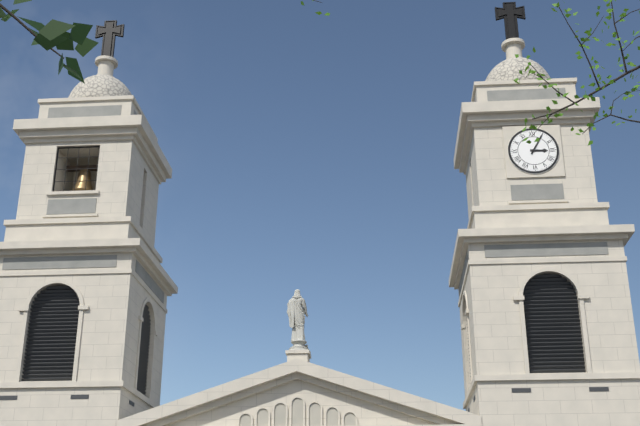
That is **3:05**
